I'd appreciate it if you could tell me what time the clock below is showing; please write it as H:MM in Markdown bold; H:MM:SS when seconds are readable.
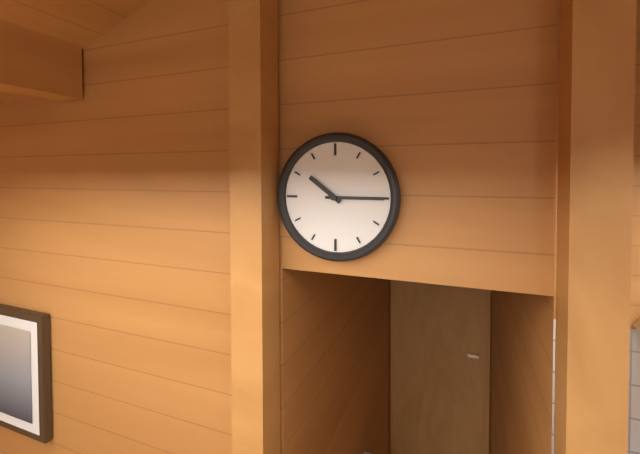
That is **10:15**
